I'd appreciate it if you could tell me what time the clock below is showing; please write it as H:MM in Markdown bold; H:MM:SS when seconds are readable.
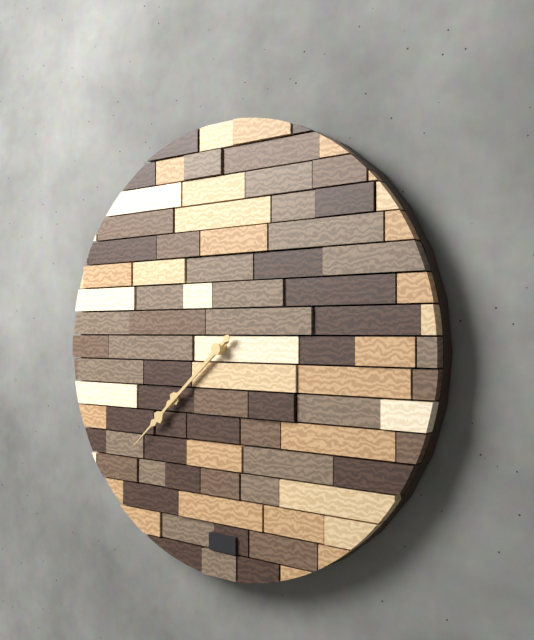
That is **7:38**
